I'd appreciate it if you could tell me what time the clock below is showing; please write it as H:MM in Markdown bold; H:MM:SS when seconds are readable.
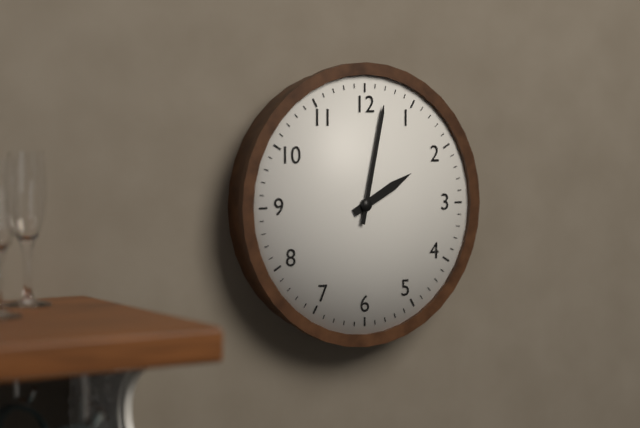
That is **2:02**
